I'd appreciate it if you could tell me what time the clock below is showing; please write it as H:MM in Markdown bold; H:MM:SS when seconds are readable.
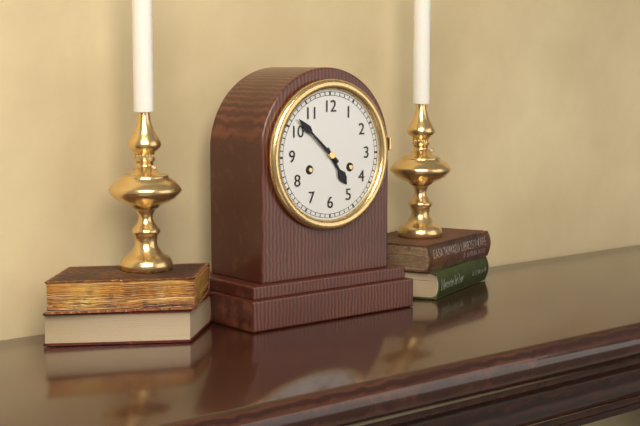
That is **4:52**
